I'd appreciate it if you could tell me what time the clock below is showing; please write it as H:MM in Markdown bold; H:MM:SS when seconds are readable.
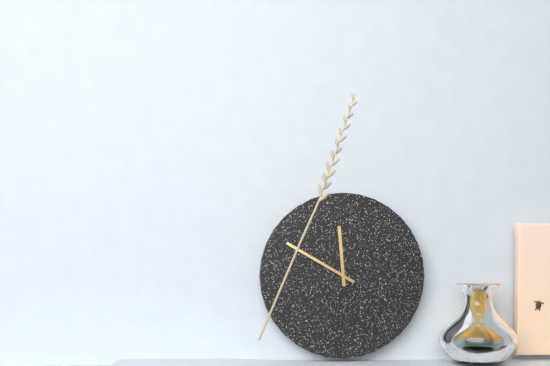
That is **11:50**
